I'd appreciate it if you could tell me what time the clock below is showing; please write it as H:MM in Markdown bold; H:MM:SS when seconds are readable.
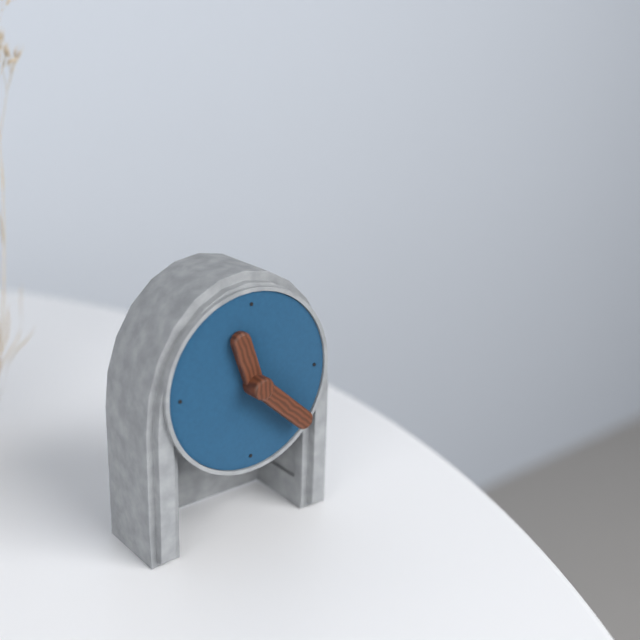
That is **11:22**
